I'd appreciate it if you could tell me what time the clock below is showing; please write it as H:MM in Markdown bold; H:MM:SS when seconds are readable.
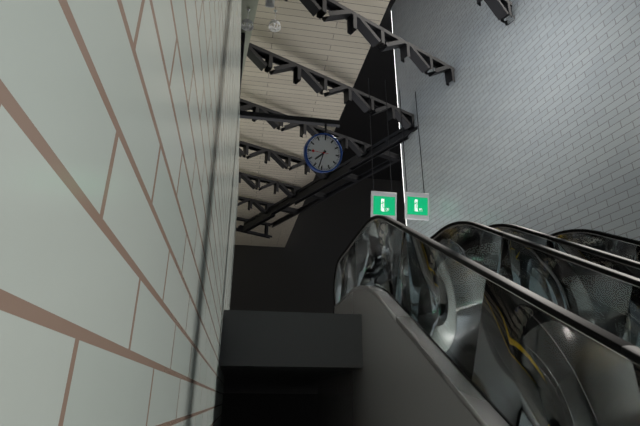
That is **7:32**
